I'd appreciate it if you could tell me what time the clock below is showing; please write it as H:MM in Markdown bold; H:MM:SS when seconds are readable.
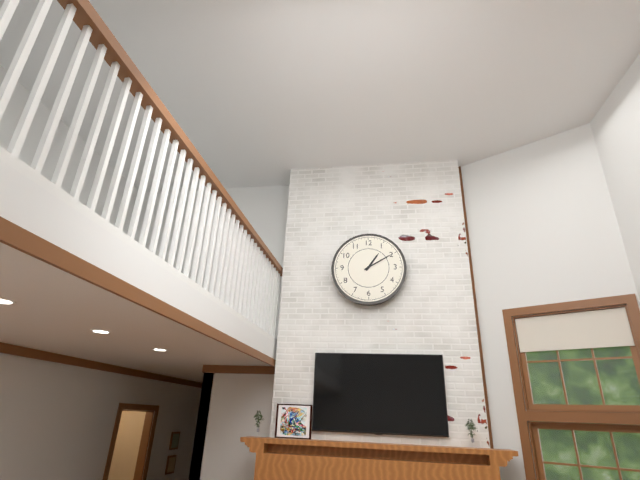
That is **1:10**
